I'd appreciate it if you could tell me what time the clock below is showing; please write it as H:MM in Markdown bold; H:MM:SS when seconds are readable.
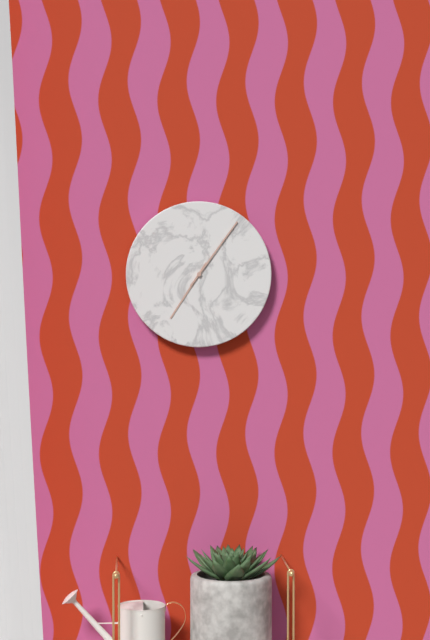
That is **7:06**
